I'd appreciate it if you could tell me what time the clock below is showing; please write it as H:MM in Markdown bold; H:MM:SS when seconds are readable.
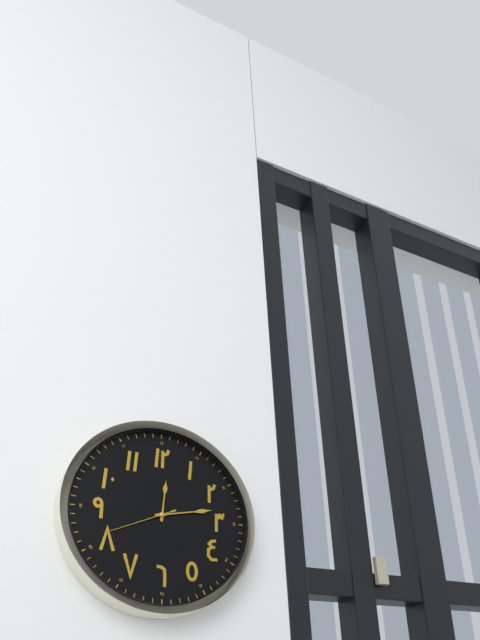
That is **12:13:41**
